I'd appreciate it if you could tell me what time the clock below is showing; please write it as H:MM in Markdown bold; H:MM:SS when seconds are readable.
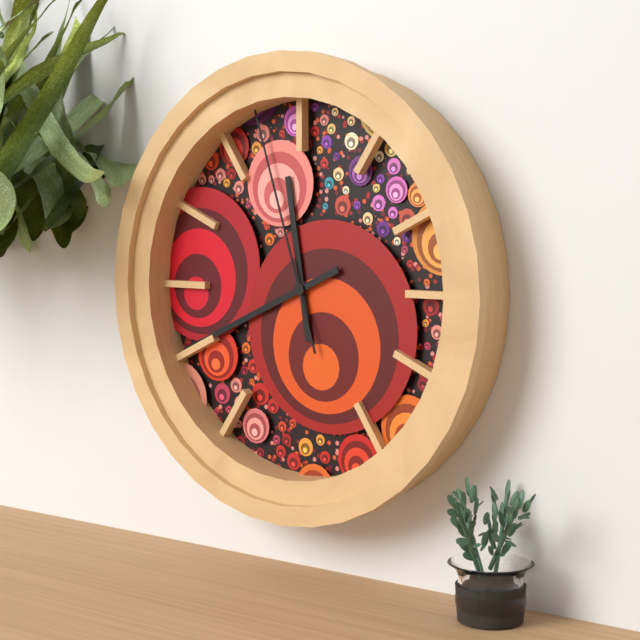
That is **11:41:57**
